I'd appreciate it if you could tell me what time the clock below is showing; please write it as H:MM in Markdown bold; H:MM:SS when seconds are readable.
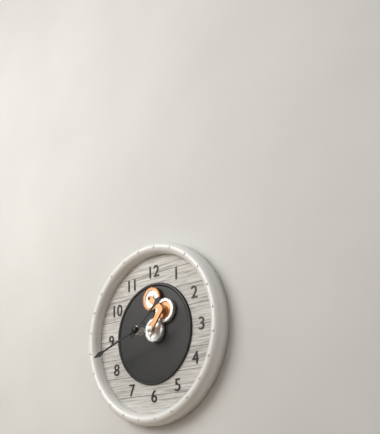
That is **1:42**
